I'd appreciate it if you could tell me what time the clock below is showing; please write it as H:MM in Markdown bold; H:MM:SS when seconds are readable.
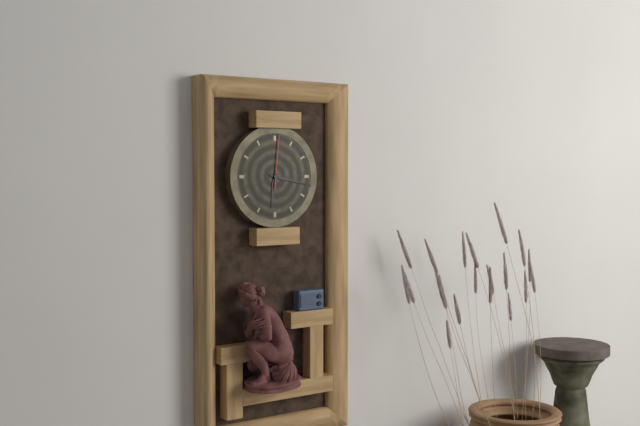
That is **6:17:01**
